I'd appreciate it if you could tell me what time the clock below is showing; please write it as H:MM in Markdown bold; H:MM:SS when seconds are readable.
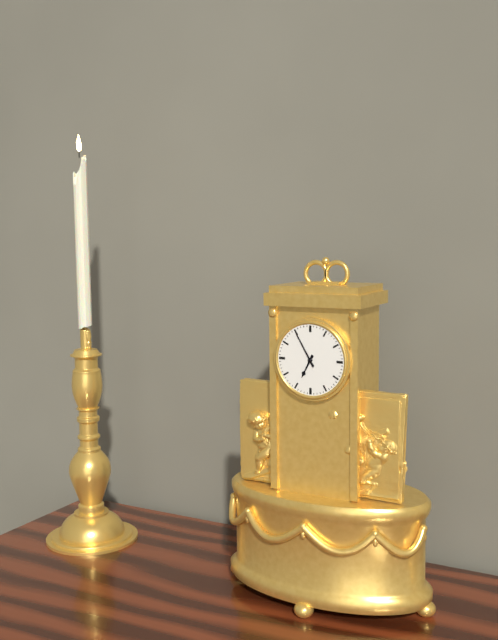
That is **6:55**
